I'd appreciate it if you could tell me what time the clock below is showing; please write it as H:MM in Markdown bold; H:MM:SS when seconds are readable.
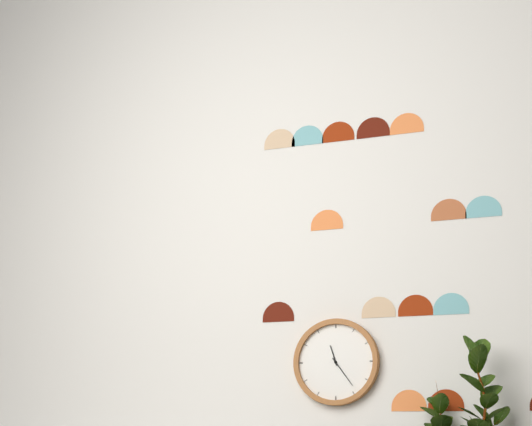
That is **11:24**
